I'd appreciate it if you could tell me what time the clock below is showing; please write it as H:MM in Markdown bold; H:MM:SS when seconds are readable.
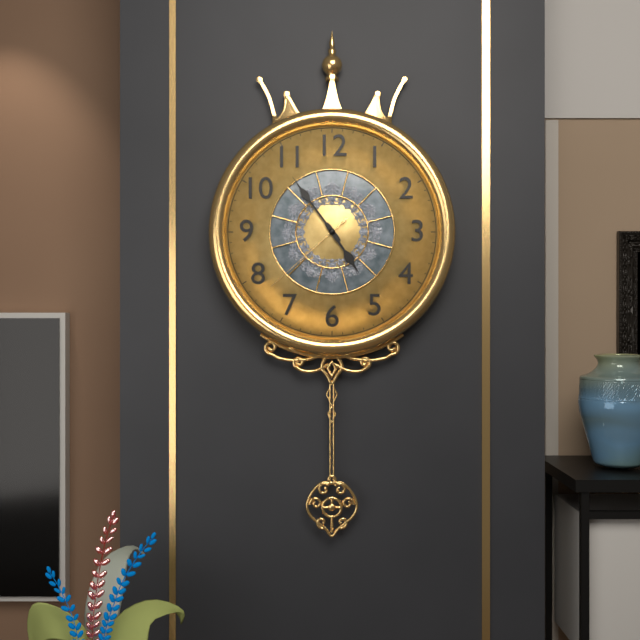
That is **4:54:38**
